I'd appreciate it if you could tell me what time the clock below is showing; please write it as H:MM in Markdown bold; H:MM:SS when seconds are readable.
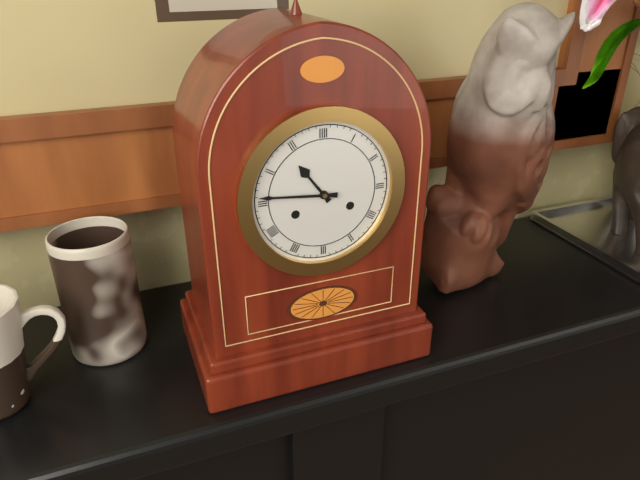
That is **10:46**
